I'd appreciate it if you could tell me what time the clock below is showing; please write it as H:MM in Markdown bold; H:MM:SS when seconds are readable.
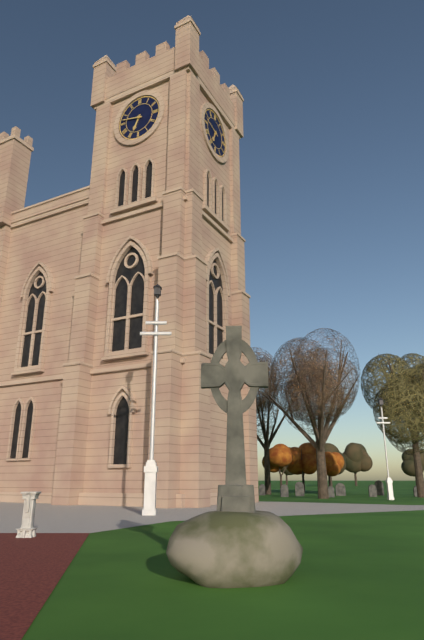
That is **6:47**
